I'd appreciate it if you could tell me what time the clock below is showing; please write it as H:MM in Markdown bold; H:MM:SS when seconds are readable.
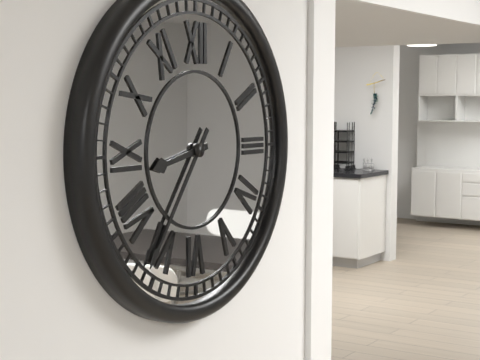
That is **8:36**
